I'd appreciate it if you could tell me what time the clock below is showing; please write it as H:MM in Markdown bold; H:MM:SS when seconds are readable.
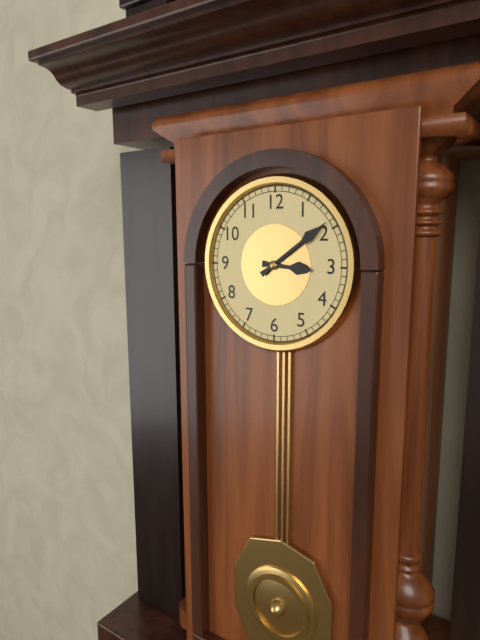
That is **3:09**
